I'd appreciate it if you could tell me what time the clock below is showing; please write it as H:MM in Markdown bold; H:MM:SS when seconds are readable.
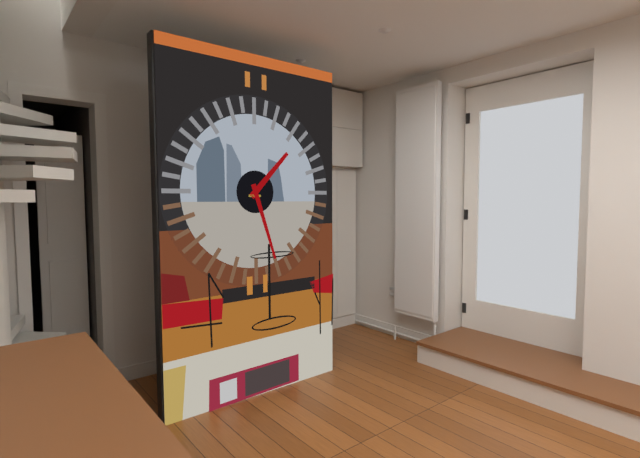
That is **1:27**
